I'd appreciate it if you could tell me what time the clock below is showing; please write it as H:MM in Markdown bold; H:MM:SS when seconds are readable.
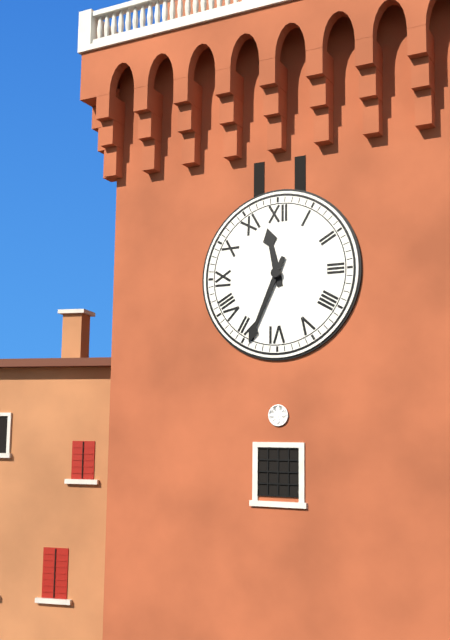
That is **11:34**
